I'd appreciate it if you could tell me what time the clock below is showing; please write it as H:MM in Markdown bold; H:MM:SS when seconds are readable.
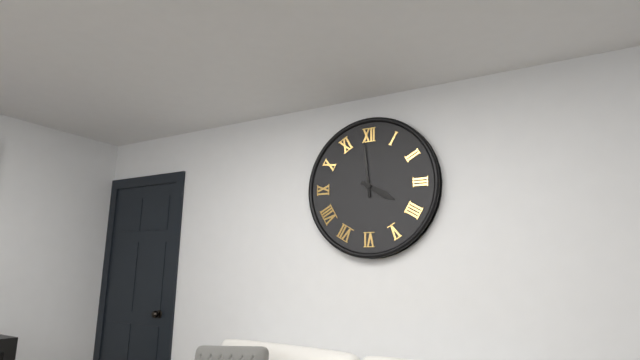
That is **3:59**
